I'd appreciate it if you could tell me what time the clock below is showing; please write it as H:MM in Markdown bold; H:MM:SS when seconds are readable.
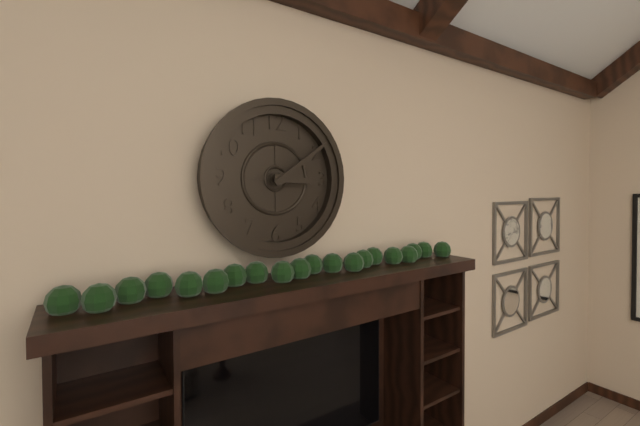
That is **3:09**
